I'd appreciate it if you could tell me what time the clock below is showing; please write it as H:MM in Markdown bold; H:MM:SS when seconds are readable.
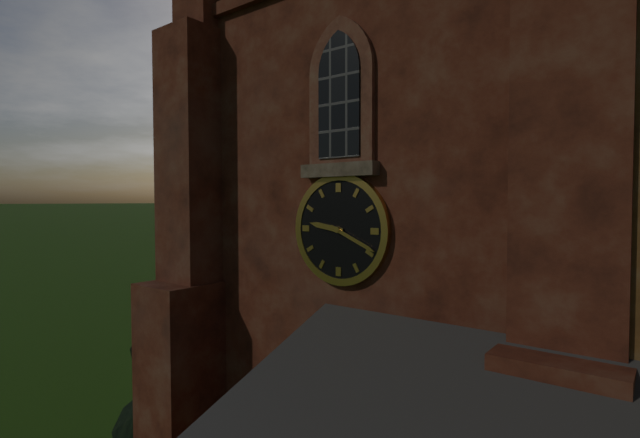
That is **9:19**
